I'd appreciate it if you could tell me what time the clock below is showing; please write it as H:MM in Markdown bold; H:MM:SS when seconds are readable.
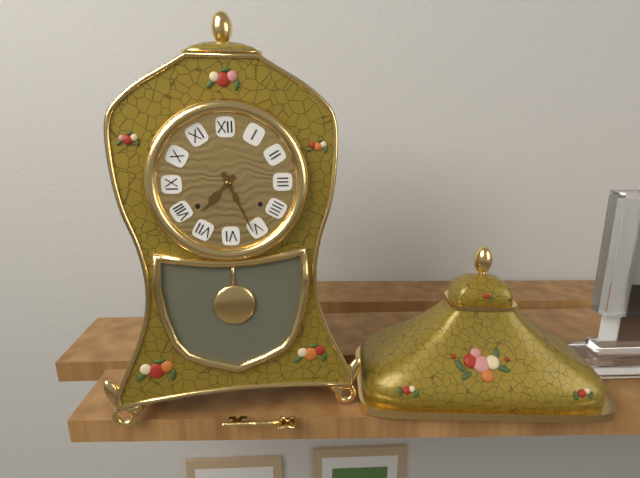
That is **7:26**
